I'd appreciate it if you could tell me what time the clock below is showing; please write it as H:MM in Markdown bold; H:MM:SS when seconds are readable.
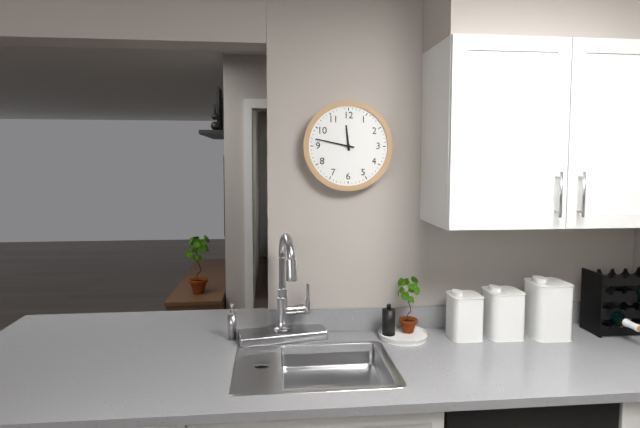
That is **11:47**
